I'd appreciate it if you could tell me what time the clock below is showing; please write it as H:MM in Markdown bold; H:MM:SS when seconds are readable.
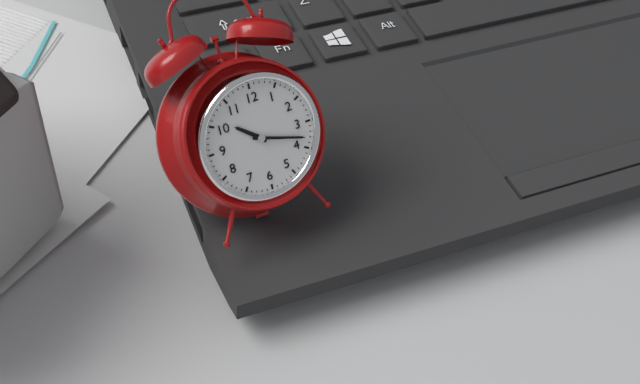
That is **10:18**
